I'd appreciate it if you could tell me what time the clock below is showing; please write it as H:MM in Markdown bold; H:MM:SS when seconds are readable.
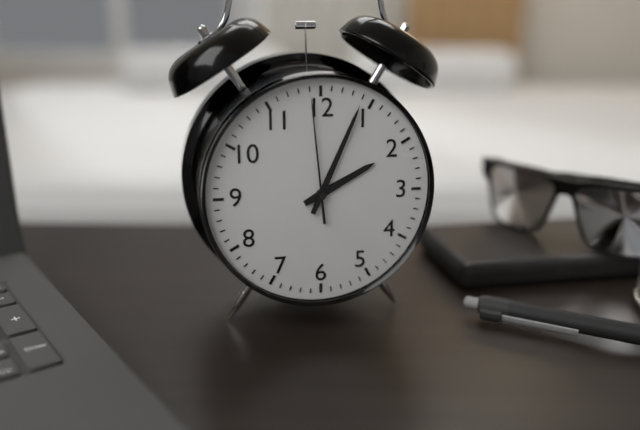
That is **2:04:59**
